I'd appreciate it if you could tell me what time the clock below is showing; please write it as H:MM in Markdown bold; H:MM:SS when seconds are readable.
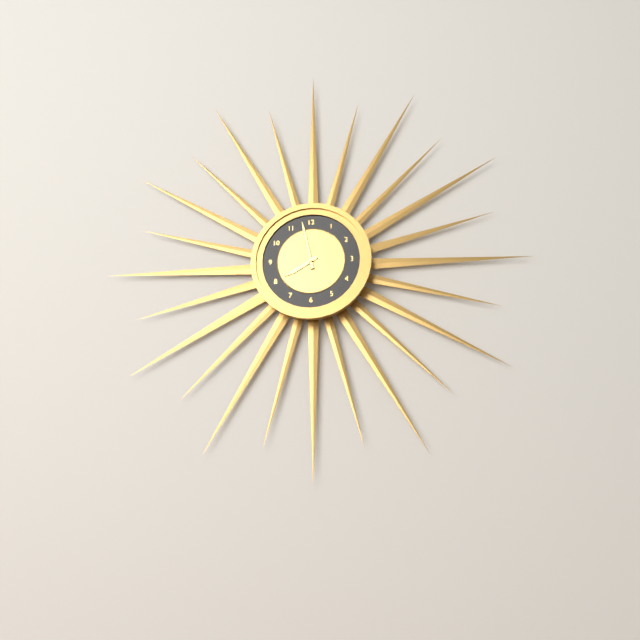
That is **7:58**
